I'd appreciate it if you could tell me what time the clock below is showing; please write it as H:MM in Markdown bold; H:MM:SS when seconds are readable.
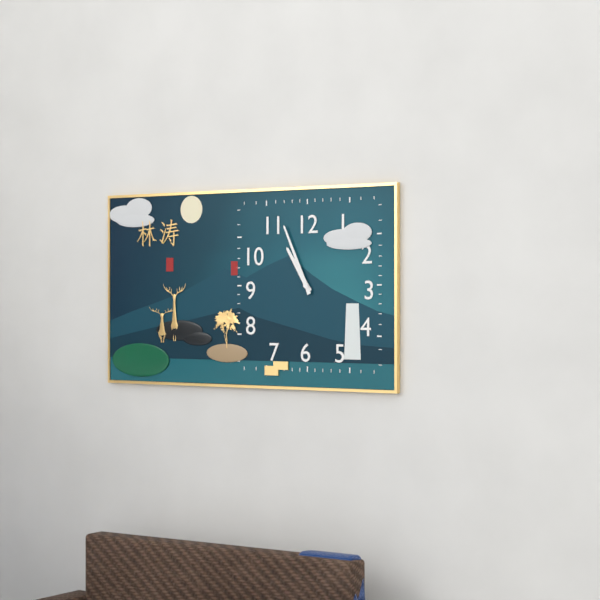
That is **10:56**
